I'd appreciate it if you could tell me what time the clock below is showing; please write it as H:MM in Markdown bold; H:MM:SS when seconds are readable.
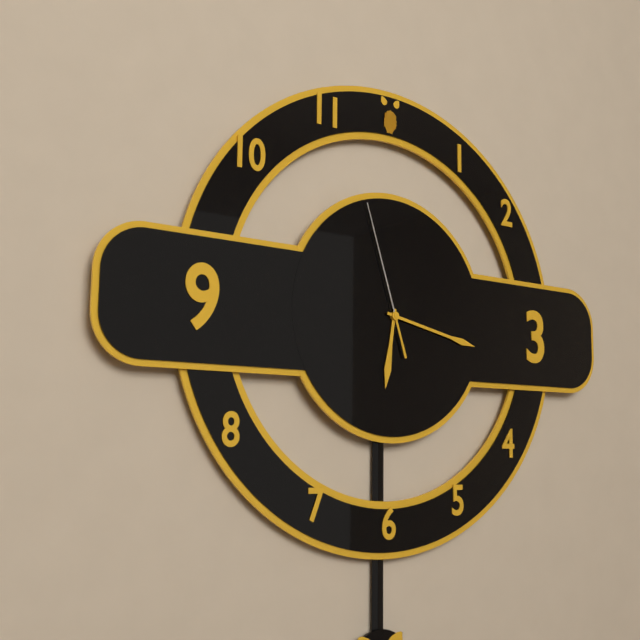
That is **6:17:57**
